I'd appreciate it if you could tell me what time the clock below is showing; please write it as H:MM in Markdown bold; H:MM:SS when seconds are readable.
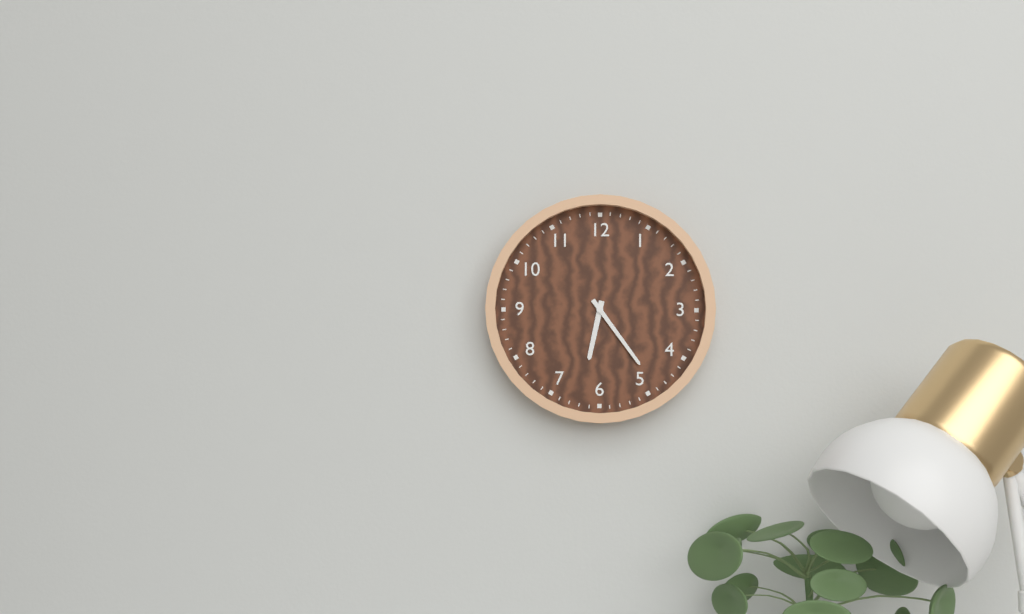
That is **6:24**
